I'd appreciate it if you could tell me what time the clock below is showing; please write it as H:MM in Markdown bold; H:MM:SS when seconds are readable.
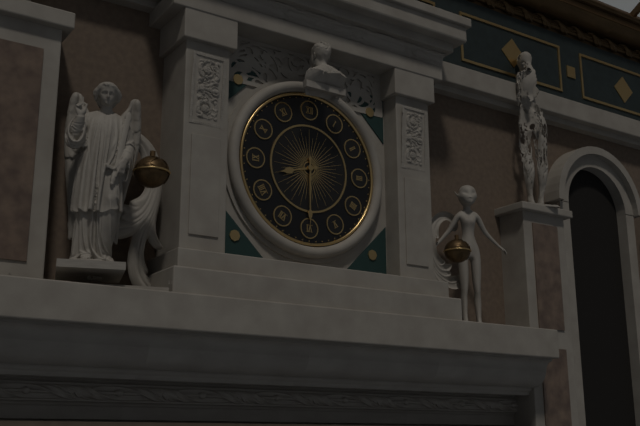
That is **8:30**
